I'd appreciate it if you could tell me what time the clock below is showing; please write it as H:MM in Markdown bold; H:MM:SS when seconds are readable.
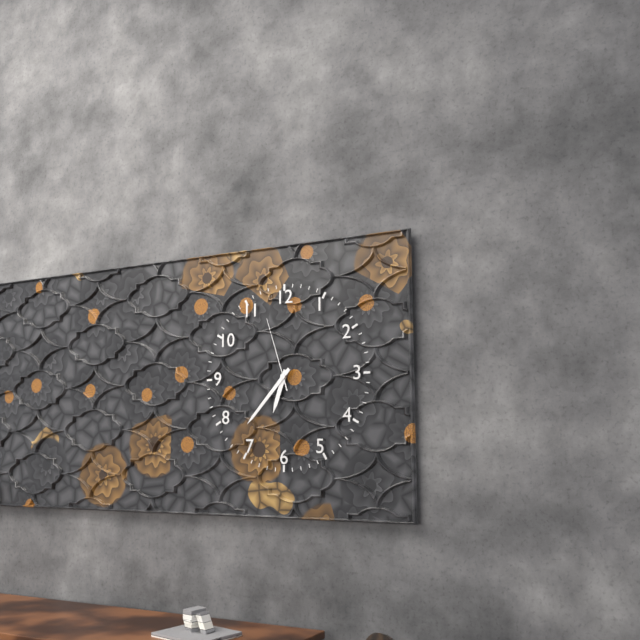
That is **6:37:57**
